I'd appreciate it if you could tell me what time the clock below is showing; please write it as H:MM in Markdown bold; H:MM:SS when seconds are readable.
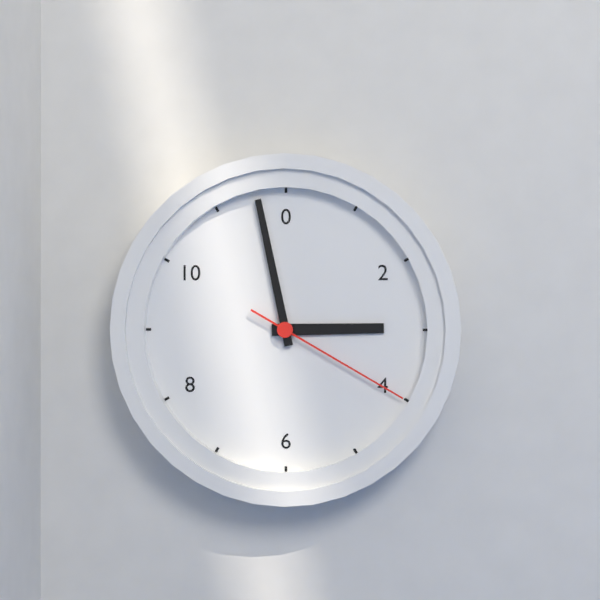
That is **2:58:20**
